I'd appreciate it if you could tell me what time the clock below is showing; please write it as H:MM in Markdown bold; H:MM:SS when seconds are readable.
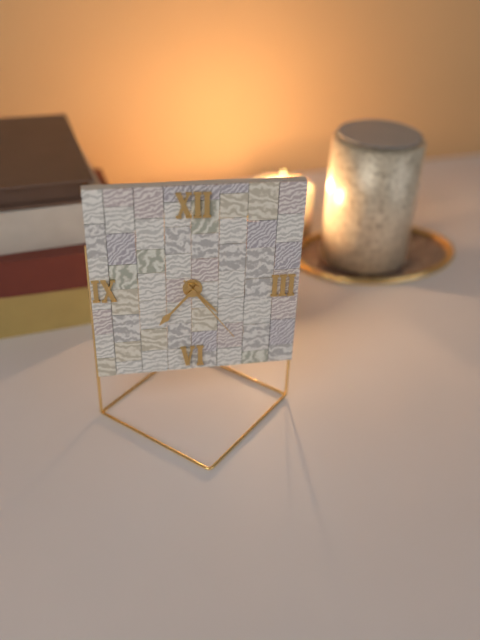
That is **4:37:24**
